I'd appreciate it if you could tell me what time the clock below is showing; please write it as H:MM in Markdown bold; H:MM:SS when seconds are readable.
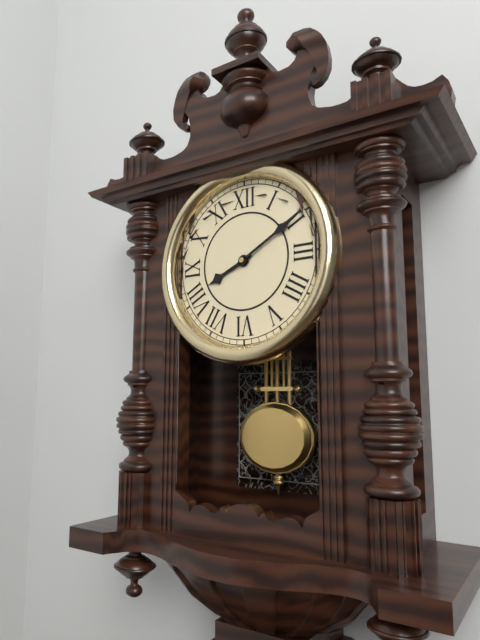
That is **8:10**
